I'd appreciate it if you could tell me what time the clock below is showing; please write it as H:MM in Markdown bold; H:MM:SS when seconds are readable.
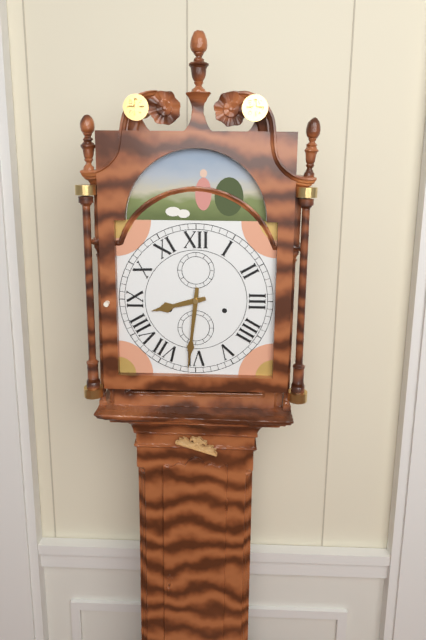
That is **8:31**
